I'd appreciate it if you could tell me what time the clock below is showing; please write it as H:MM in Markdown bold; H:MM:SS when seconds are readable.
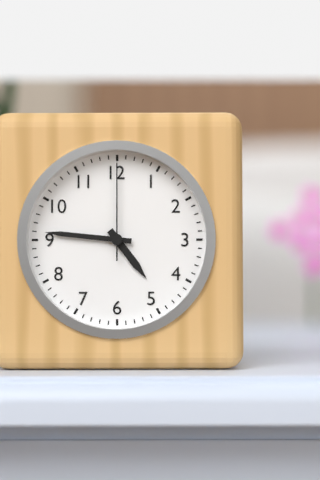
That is **4:46:00**
